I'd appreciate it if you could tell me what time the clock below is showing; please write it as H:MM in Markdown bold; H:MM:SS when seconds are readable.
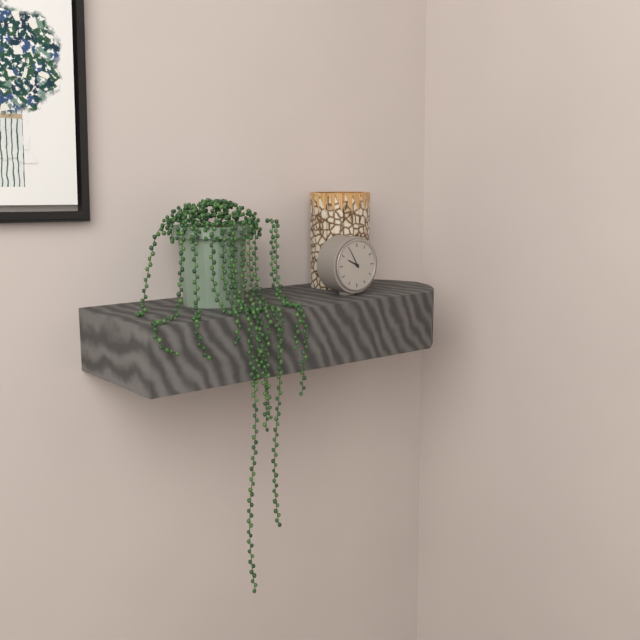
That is **9:55**
